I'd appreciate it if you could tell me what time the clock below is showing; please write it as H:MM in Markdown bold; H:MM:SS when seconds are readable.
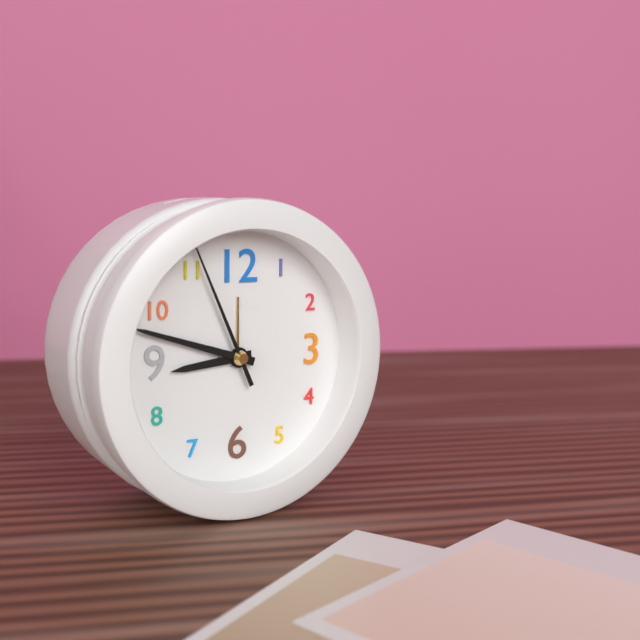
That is **8:48:56**
